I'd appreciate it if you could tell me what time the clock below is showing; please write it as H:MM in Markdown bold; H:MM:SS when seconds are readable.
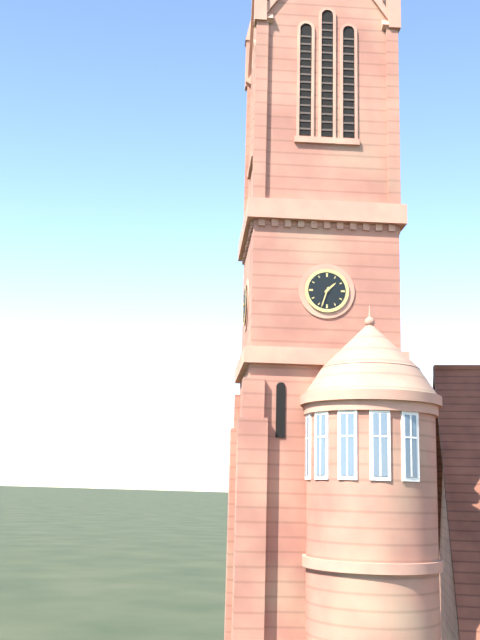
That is **1:33**
